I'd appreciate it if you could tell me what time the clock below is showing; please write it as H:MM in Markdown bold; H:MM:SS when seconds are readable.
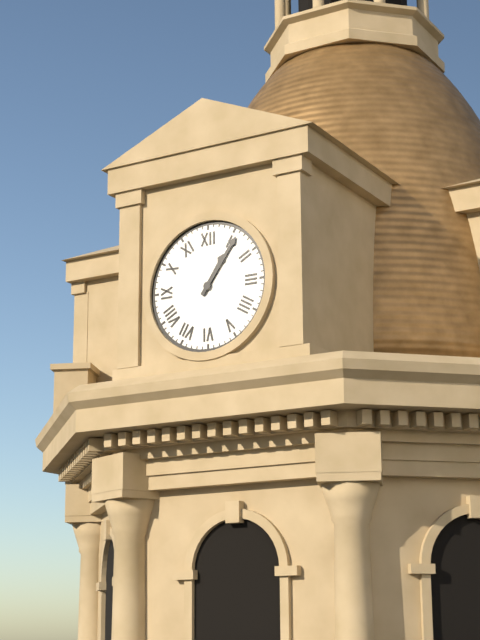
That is **1:06**
